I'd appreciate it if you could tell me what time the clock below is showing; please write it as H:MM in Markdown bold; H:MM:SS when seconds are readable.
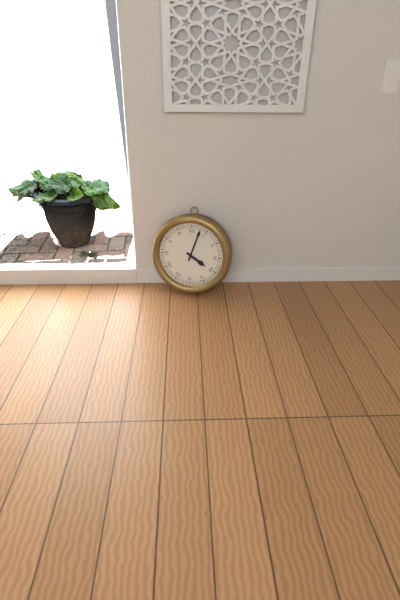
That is **4:03**
